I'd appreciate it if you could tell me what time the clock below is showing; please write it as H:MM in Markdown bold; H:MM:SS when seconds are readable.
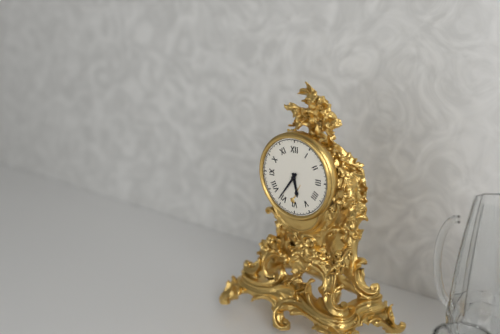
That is **5:36**
